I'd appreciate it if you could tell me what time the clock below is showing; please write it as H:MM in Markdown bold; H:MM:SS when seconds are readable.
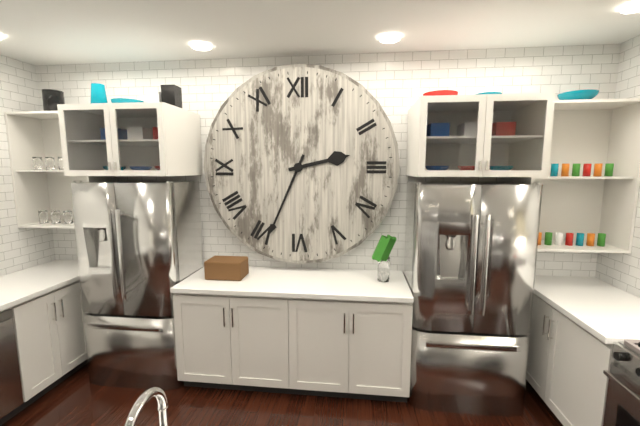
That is **2:34**
